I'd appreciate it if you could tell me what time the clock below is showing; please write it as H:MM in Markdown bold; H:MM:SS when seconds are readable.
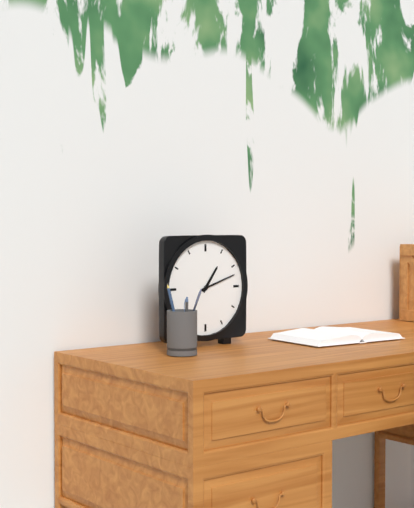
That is **1:12**
